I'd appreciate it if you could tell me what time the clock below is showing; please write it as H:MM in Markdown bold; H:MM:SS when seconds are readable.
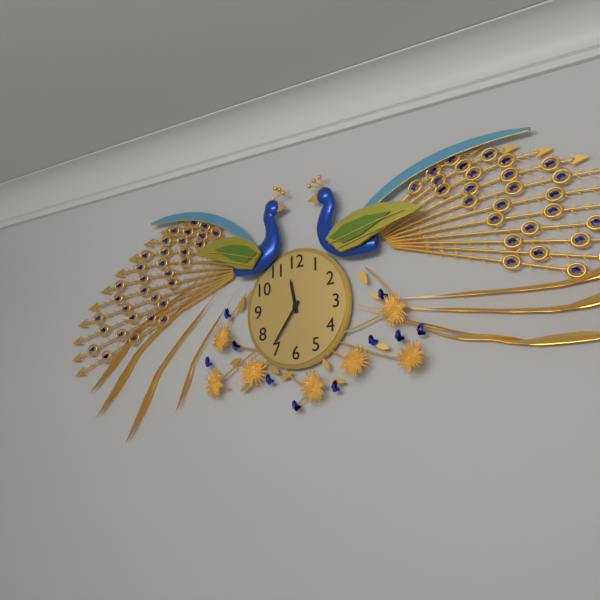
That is **11:36**
